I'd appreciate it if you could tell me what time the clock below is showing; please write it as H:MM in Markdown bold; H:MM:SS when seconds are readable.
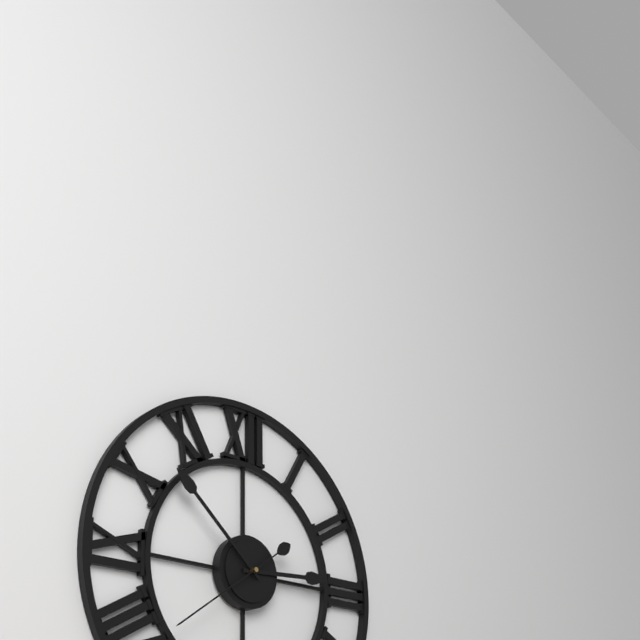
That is **2:52:39**
